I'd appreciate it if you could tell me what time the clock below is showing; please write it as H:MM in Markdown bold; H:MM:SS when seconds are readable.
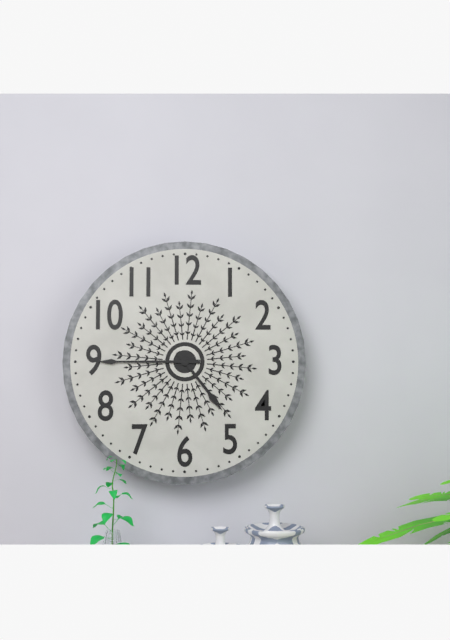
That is **4:45**
